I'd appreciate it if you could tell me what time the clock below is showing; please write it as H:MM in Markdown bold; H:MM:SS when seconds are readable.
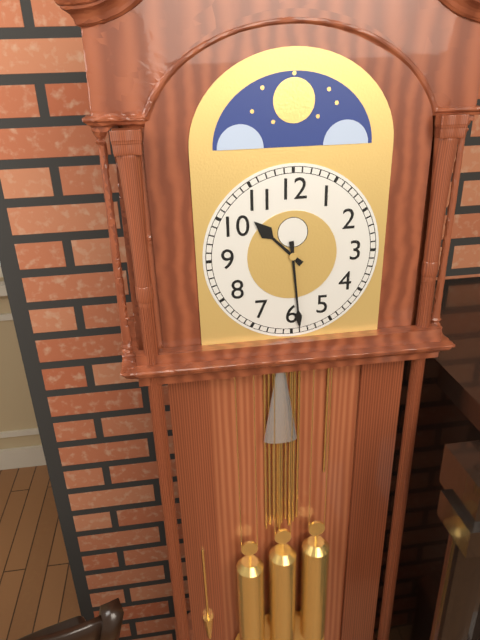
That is **10:29**
